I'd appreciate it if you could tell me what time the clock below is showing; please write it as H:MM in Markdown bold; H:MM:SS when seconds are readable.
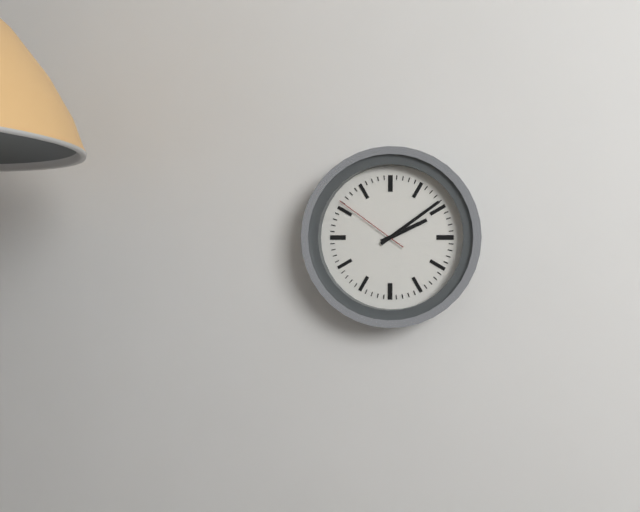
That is **2:09:51**
